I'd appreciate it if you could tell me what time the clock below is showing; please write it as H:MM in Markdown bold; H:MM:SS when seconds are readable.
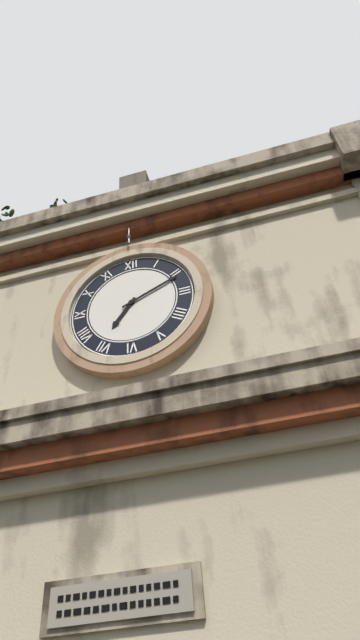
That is **7:11**
